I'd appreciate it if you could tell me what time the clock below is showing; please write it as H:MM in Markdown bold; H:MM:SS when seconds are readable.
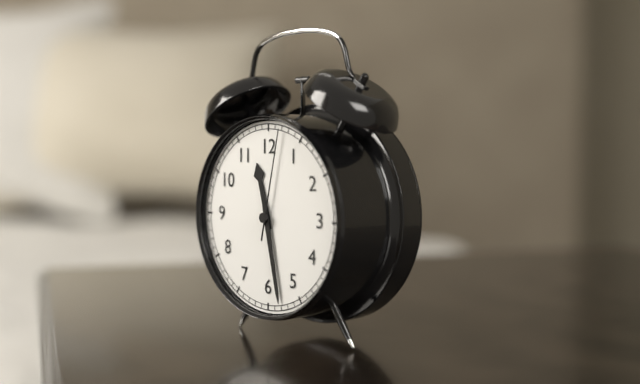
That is **11:28:02**
